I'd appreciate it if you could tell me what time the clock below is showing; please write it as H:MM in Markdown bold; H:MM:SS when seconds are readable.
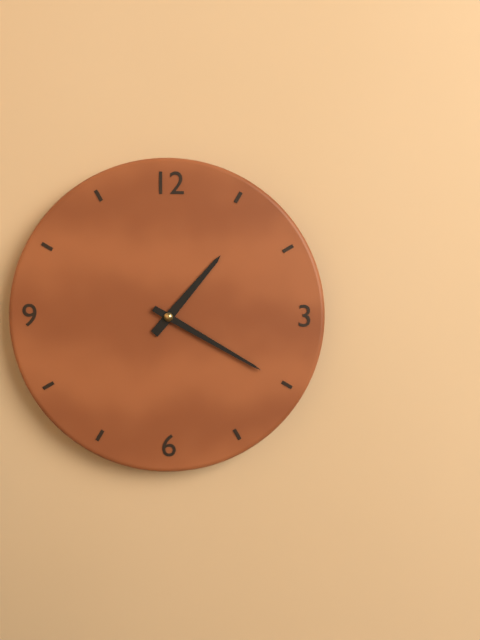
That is **1:20**
